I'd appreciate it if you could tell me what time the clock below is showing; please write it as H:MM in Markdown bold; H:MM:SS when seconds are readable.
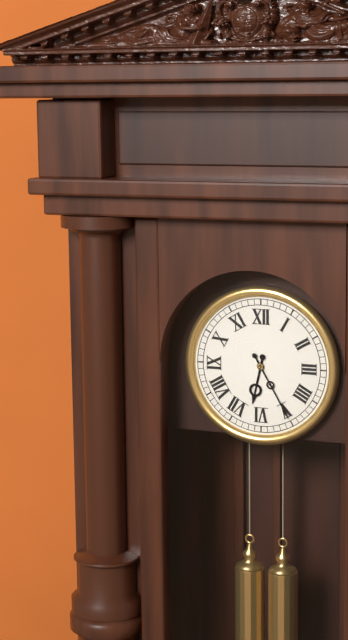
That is **6:25**
